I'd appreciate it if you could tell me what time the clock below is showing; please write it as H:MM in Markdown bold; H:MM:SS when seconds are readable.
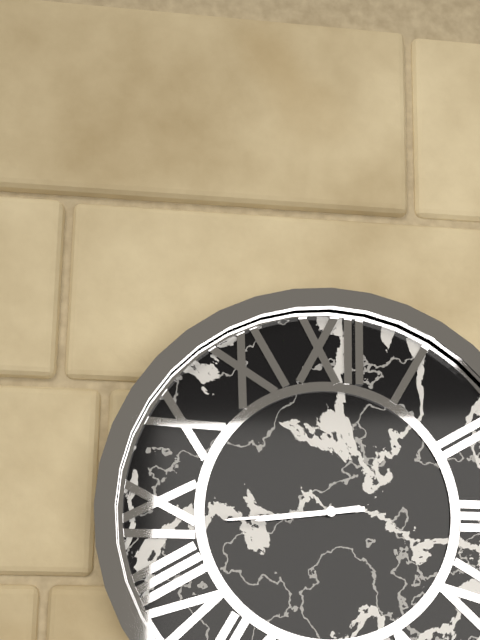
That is **8:44**
